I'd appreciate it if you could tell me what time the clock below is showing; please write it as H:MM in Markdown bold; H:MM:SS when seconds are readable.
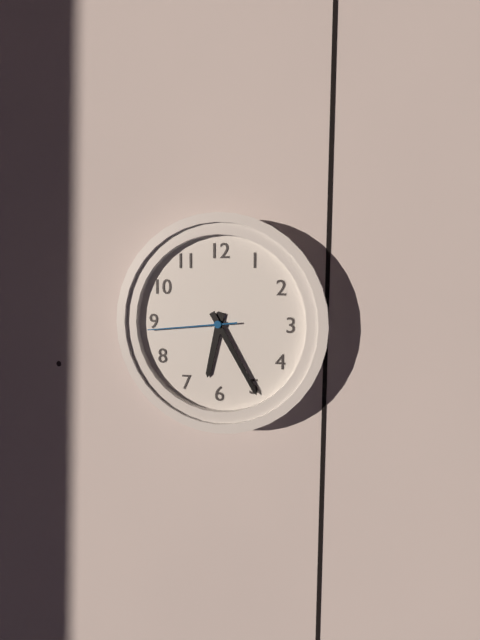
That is **6:25:44**
